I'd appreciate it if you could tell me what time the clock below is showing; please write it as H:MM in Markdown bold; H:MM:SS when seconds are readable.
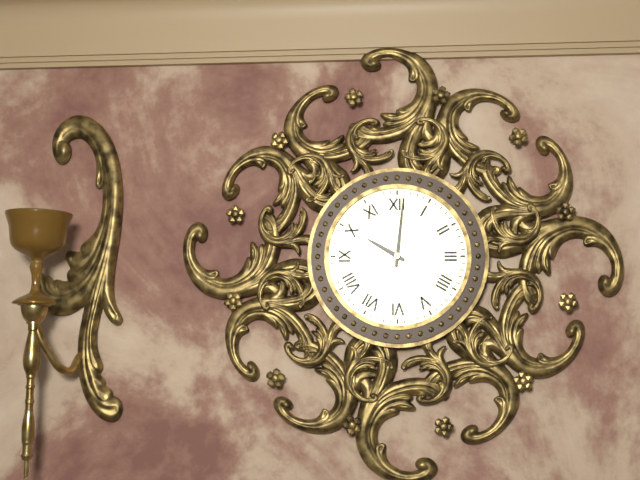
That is **10:01**
